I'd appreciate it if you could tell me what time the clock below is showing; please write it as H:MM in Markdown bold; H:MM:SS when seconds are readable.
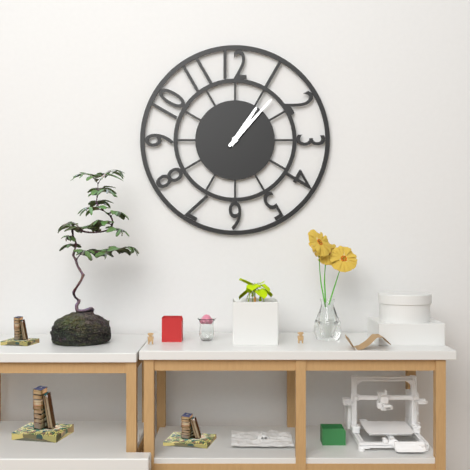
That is **1:07**
